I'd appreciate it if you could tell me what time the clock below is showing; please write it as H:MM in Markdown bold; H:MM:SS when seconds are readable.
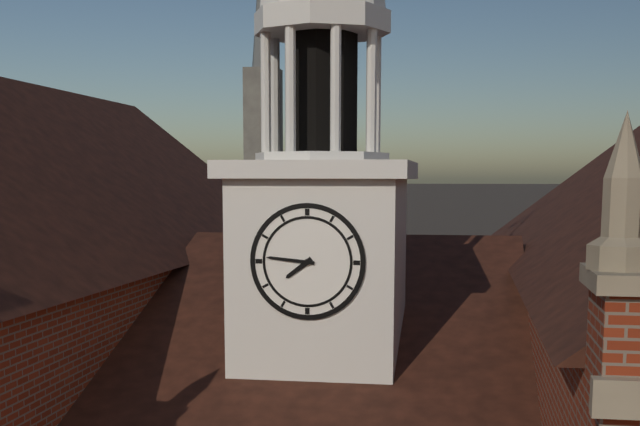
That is **7:46**
